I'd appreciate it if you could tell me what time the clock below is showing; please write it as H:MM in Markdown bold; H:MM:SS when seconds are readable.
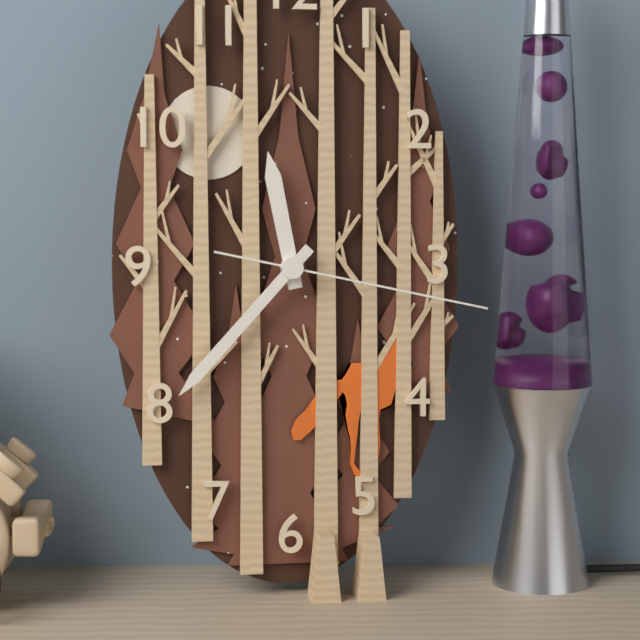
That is **11:37:17**
